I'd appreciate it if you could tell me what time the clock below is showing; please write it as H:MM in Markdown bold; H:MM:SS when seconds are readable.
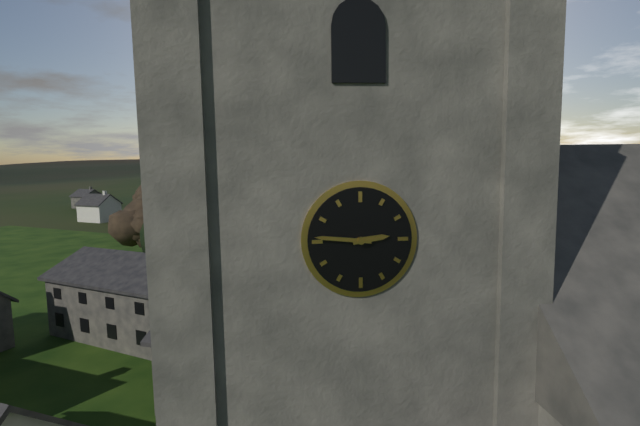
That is **2:46**
